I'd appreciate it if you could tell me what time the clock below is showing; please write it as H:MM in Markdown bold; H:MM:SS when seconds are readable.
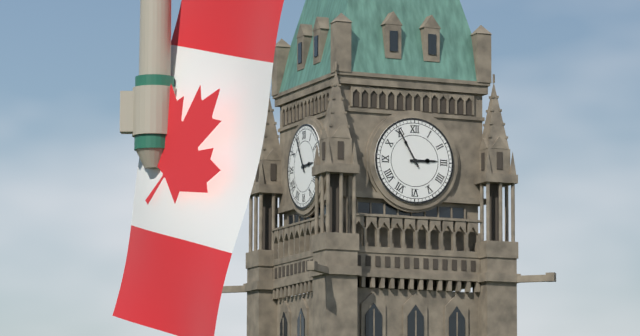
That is **2:55**
